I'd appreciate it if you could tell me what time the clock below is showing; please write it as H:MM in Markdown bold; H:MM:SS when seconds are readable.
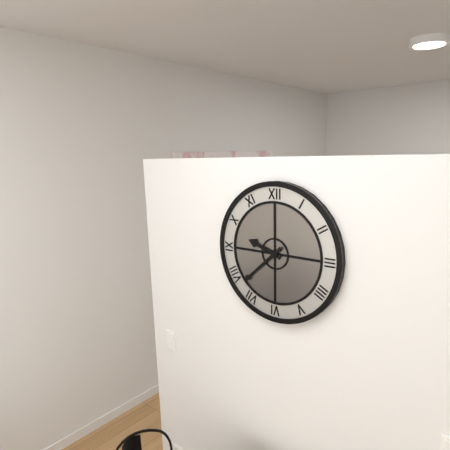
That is **9:38**
